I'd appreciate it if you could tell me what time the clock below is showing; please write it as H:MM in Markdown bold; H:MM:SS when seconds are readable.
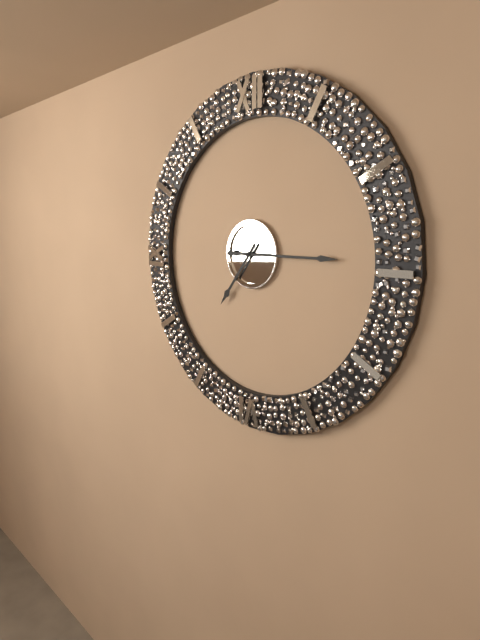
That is **7:15**
